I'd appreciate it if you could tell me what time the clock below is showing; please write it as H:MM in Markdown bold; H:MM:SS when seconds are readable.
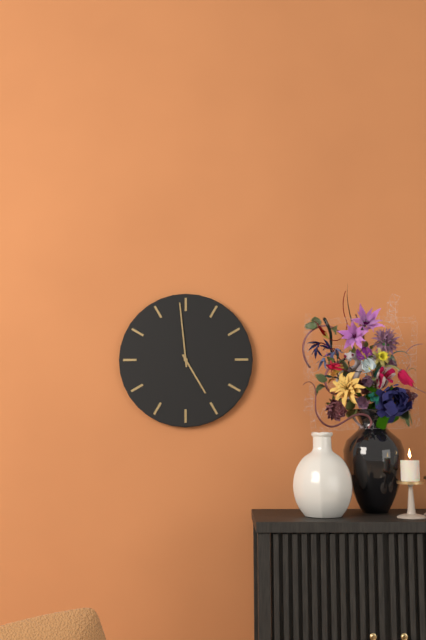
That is **4:59**
